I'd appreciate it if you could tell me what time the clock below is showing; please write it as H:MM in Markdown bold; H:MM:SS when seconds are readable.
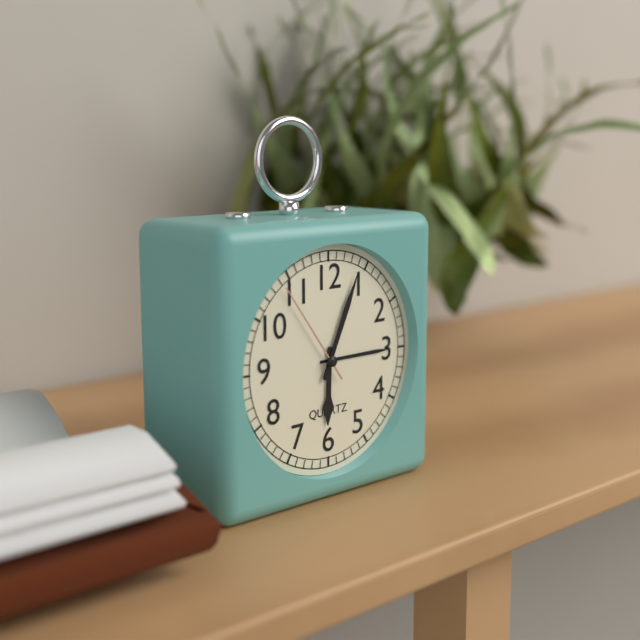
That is **6:04:54**
